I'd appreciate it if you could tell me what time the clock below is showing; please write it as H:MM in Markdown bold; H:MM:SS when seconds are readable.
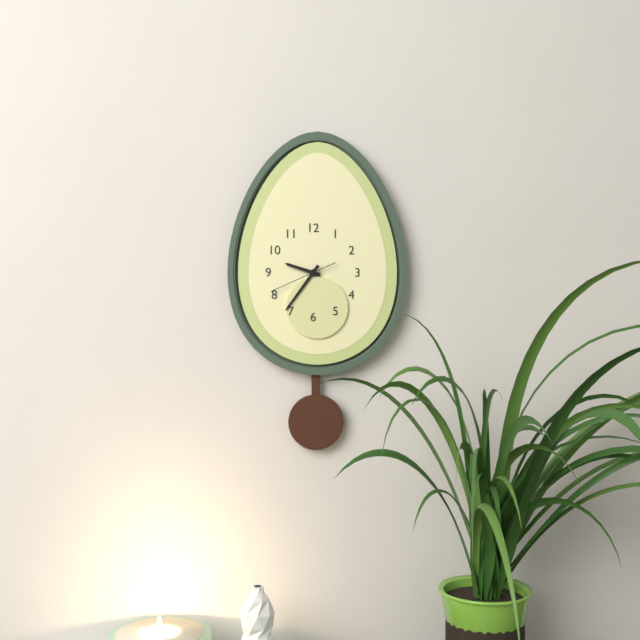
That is **9:36:41**
